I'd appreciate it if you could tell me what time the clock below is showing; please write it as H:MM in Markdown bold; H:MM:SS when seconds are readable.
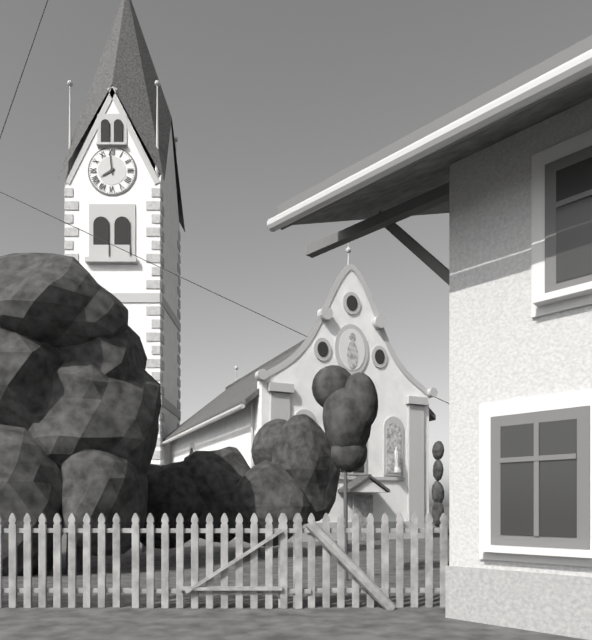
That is **7:59**
